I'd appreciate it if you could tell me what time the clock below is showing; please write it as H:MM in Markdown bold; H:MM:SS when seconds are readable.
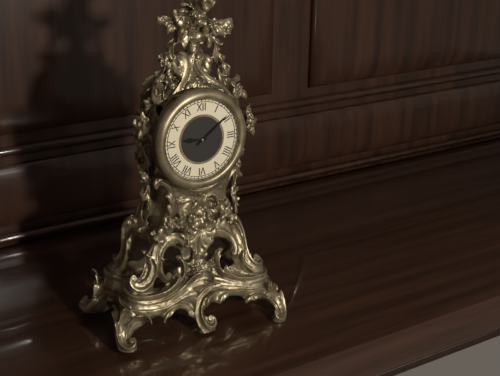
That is **9:09**
